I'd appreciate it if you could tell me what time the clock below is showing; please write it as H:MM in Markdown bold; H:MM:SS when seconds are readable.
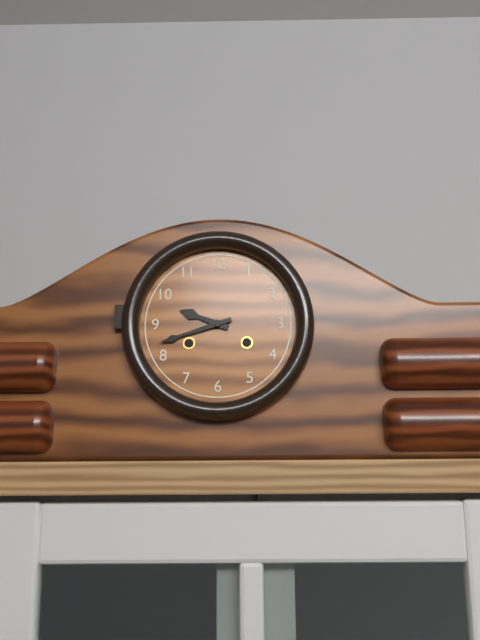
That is **9:42**
